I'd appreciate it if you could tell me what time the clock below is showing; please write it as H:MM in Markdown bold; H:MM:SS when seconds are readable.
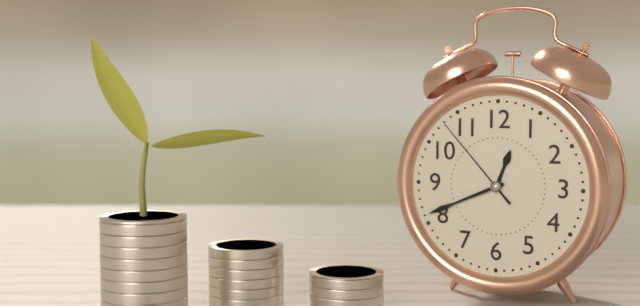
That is **12:41:53**
